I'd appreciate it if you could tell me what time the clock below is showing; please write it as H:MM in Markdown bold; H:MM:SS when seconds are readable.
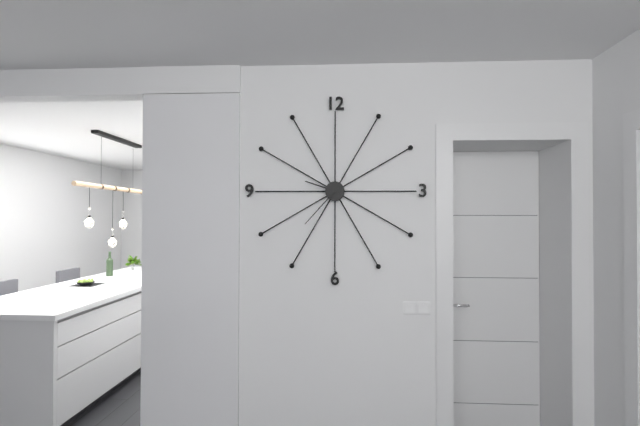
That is **9:37**
